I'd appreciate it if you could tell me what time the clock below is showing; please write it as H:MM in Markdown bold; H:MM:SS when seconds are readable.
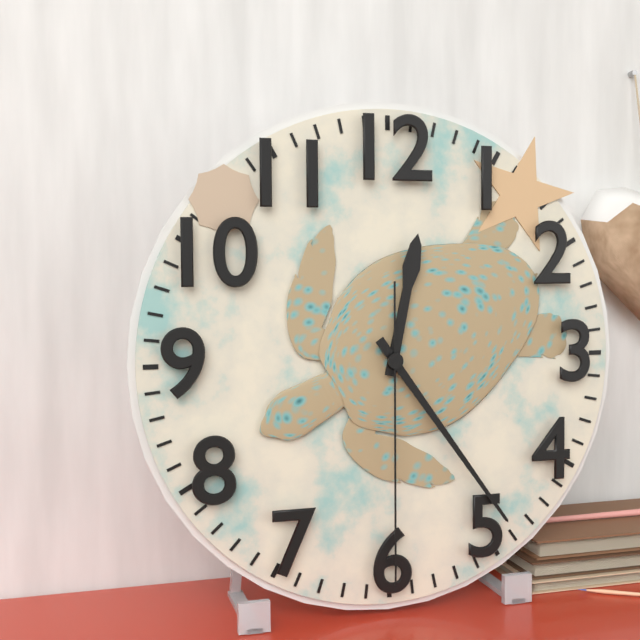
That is **12:24:30**
